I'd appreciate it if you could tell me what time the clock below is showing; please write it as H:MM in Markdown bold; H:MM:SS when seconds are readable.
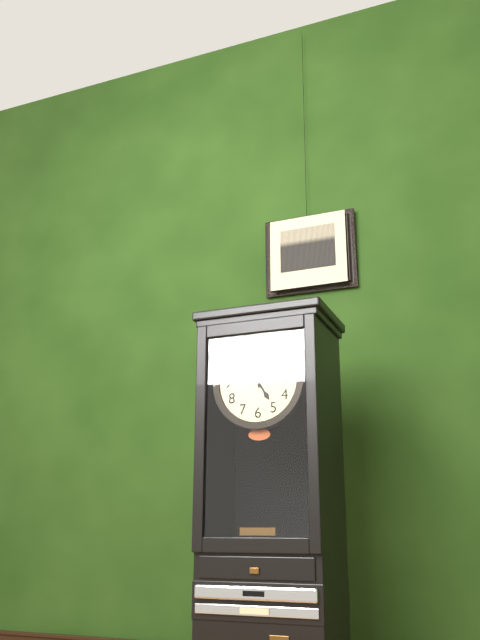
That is **4:58**
